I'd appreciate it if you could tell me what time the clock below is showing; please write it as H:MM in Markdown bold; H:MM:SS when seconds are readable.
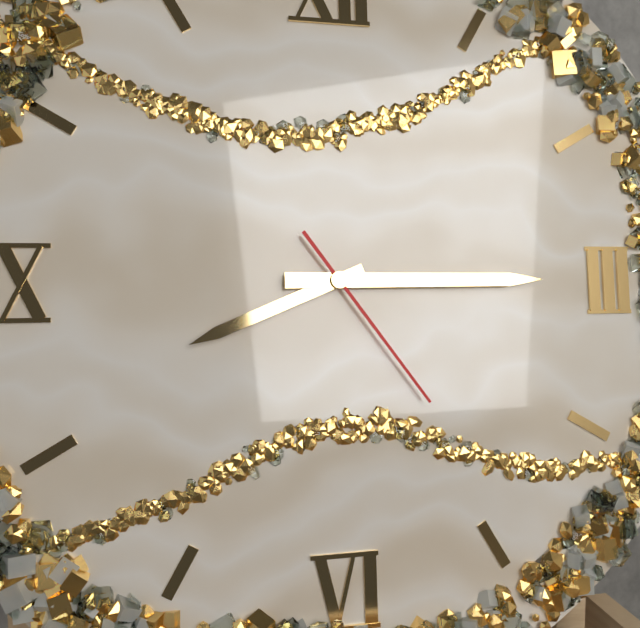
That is **8:15:24**
